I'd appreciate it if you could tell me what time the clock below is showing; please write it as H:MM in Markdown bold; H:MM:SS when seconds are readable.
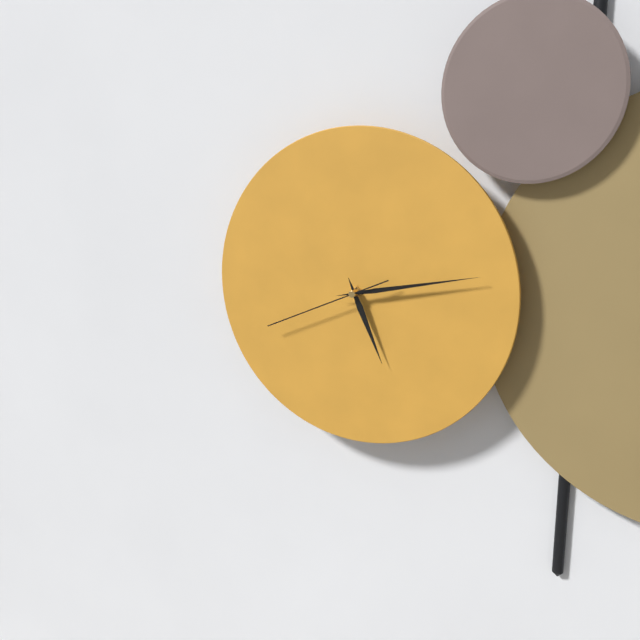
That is **5:13:41**
